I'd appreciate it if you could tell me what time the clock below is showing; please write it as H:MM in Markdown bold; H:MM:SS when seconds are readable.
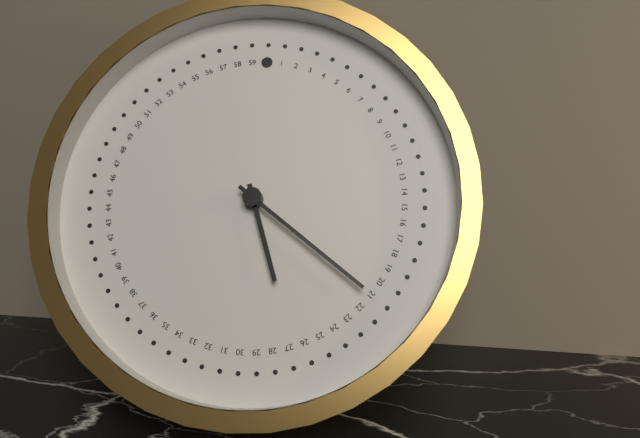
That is **5:21**
